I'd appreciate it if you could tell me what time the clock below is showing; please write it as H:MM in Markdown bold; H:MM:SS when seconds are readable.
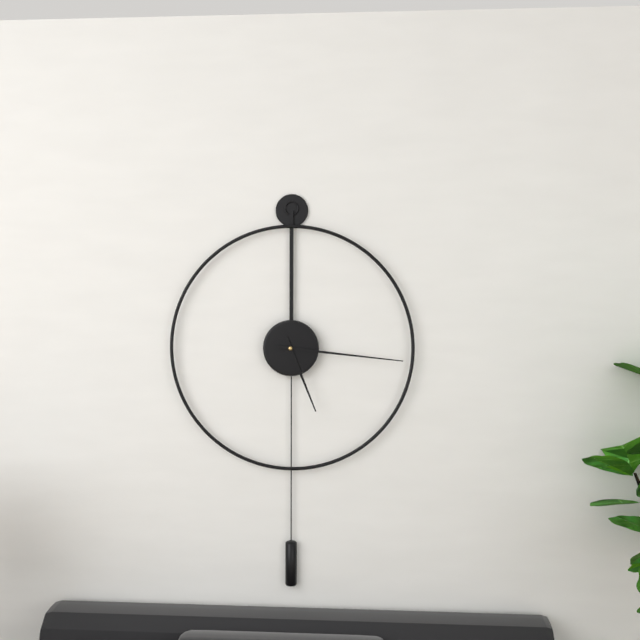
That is **5:16**
